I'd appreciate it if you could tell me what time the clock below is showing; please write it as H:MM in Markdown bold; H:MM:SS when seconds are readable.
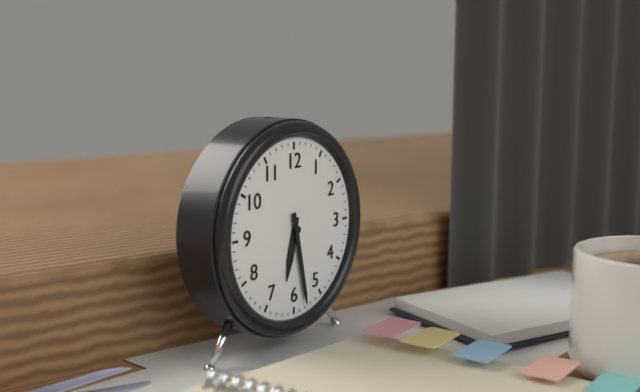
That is **6:28**
